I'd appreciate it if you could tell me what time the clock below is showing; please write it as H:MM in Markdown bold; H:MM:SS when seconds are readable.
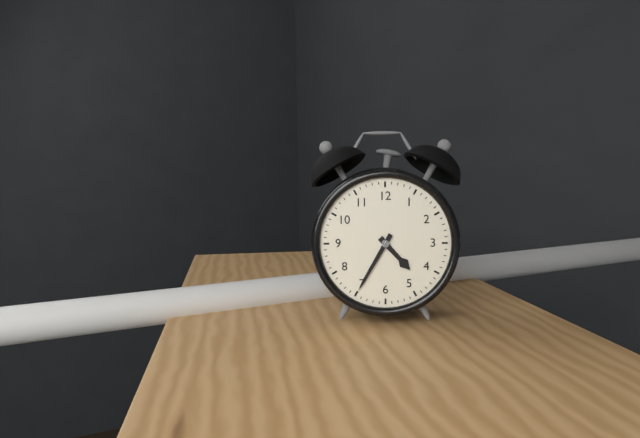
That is **4:35**
